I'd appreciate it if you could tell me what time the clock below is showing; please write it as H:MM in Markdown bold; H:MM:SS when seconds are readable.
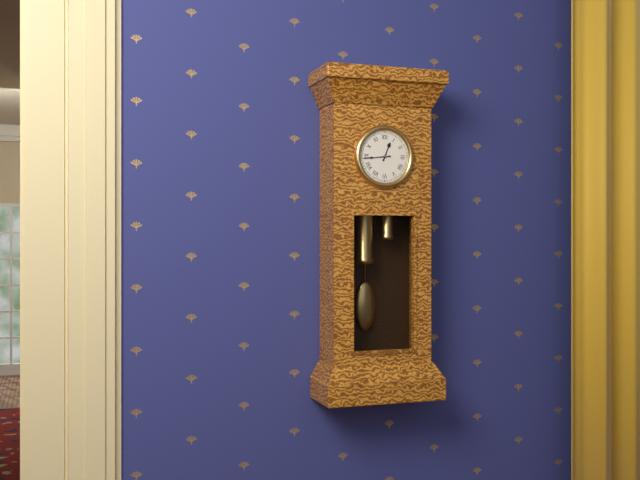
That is **12:44**
